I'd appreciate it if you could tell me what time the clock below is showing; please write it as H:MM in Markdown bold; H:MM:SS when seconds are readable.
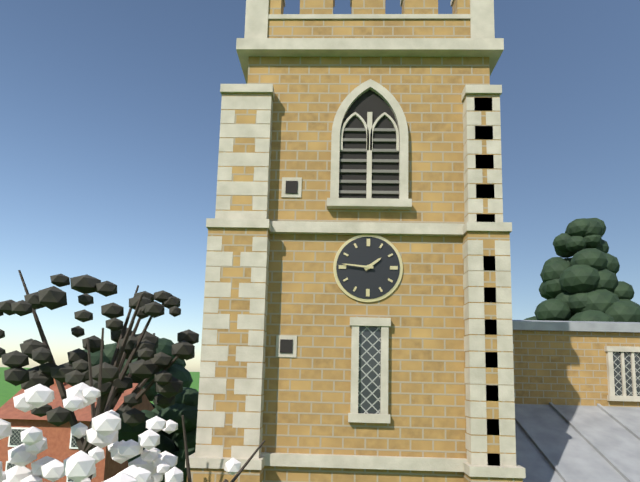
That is **1:46**
